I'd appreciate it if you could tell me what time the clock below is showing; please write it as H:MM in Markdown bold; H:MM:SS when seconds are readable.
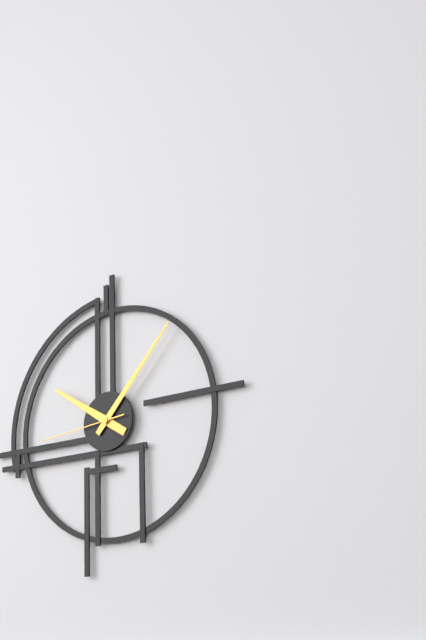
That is **10:07:44**
